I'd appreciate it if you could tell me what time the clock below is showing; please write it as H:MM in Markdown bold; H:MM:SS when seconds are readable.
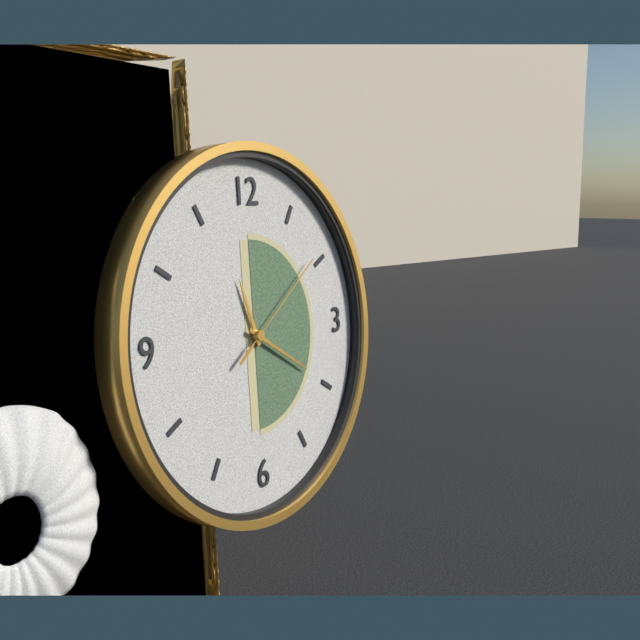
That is **11:20:09**
